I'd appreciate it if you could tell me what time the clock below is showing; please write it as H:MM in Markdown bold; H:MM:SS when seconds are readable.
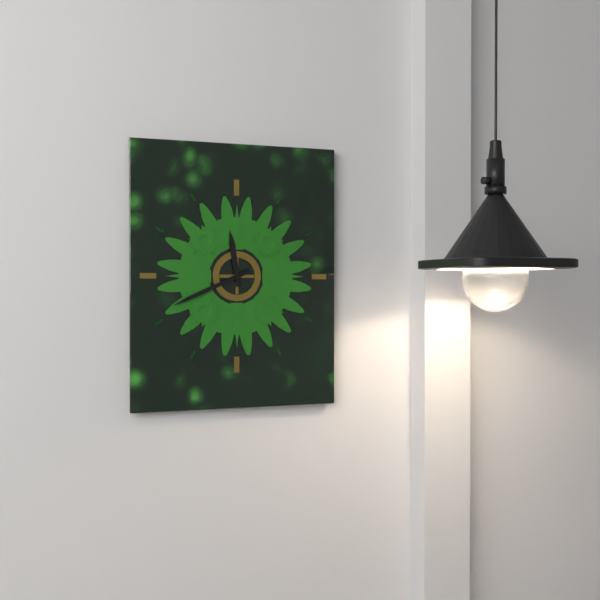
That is **11:41**
